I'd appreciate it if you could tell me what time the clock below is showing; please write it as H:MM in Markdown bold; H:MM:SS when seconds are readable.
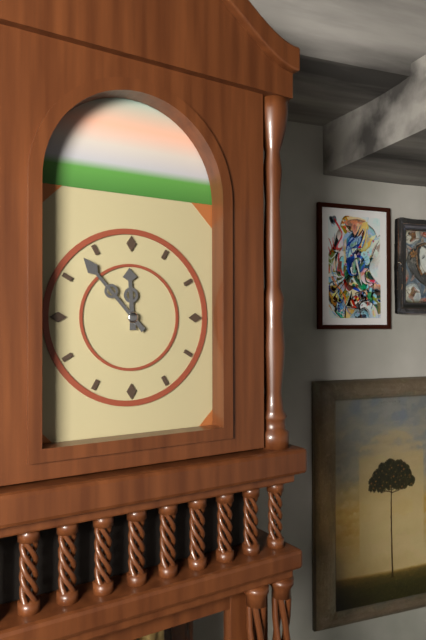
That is **11:53**
